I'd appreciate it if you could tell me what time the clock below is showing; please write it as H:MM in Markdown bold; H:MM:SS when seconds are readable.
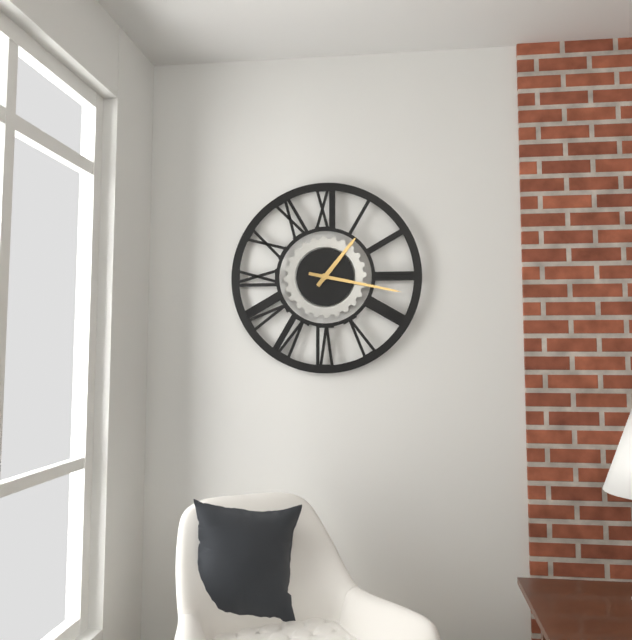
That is **1:17**
